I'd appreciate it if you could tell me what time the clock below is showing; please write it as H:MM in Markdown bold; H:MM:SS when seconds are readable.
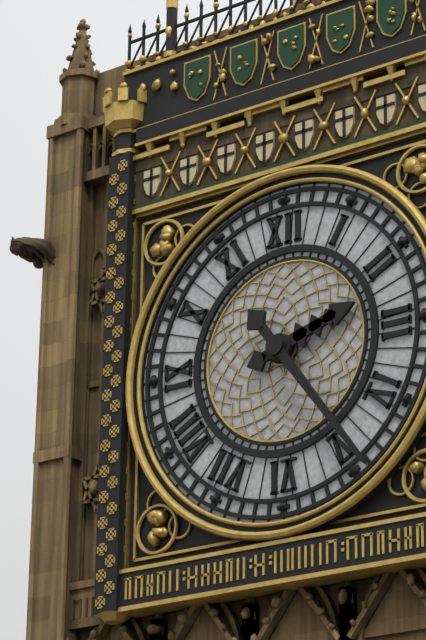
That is **2:24**
